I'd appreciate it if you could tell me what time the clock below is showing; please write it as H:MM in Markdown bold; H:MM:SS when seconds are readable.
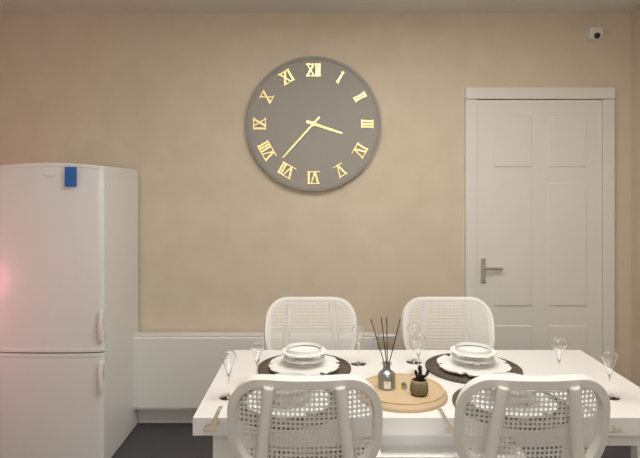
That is **3:37**
